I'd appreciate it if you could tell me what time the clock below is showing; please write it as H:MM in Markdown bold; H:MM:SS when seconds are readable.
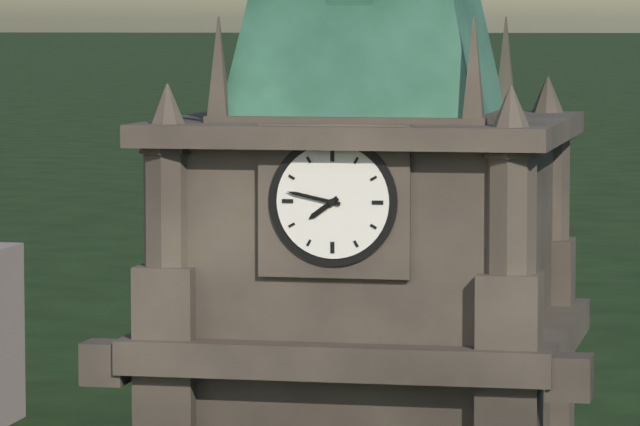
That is **7:47**
